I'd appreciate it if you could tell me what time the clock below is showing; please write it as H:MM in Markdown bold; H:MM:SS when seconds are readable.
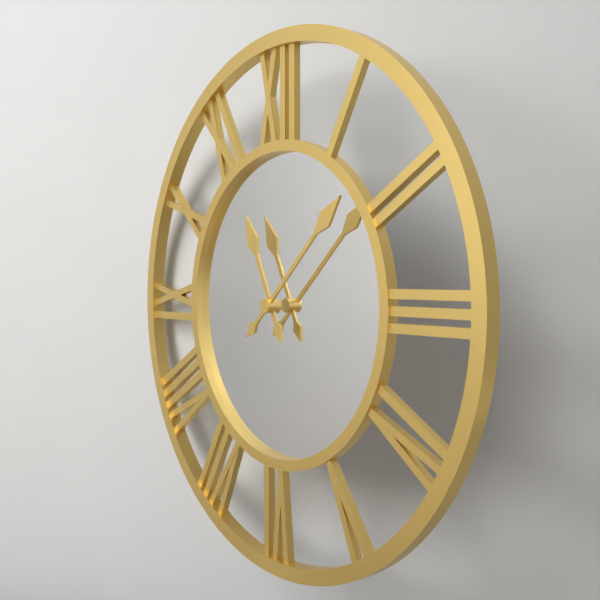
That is **11:08**
